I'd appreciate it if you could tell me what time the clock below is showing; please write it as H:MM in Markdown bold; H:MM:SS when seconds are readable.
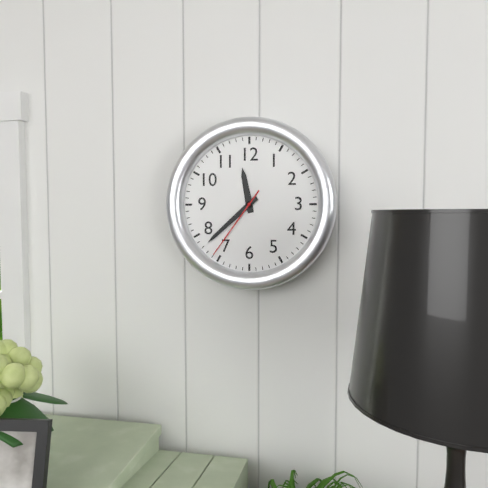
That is **11:38:36**
